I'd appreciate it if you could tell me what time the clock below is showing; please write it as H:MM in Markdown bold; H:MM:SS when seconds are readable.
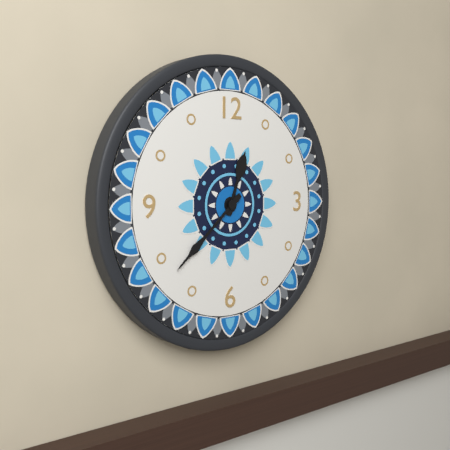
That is **12:38**
